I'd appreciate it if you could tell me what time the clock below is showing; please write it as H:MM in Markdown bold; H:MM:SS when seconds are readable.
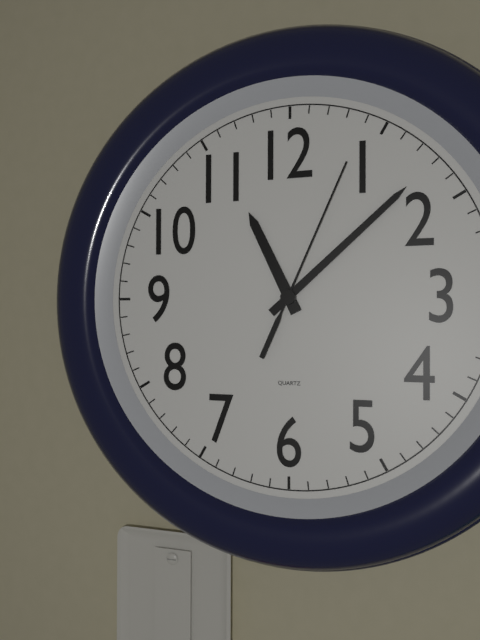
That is **11:08:04**
